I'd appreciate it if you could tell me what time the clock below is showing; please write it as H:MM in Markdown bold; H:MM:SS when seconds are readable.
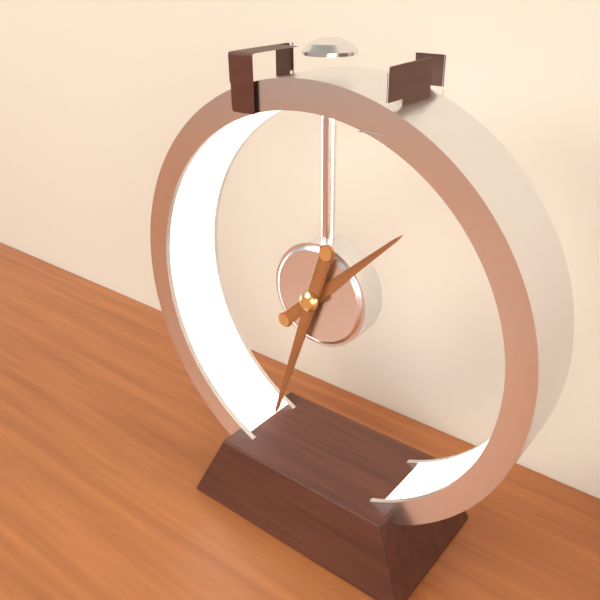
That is **1:33**
